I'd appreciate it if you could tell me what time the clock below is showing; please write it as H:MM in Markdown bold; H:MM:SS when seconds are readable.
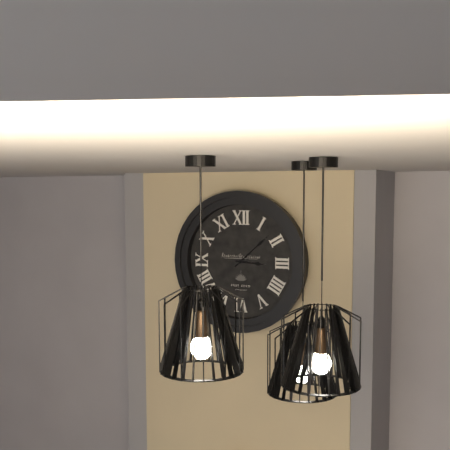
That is **3:08**
